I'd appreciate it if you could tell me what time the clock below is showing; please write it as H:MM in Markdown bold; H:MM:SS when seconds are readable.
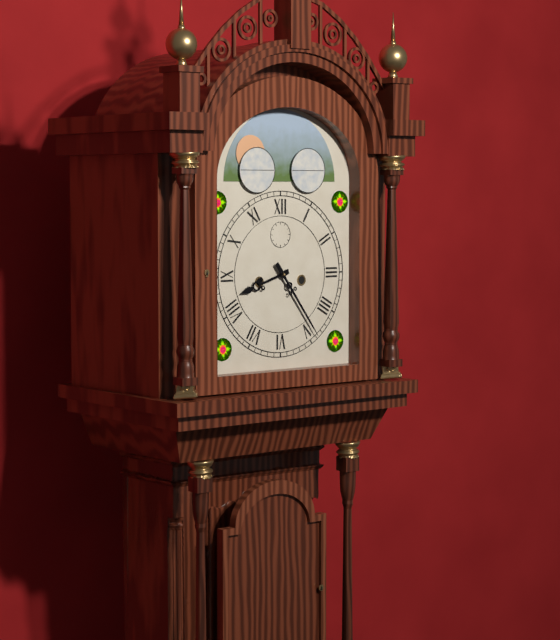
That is **8:24**
